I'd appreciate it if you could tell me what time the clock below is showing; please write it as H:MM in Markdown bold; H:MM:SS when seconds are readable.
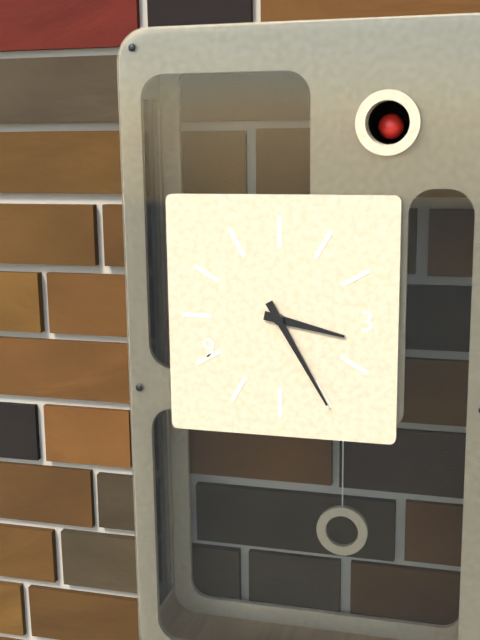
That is **3:25**
